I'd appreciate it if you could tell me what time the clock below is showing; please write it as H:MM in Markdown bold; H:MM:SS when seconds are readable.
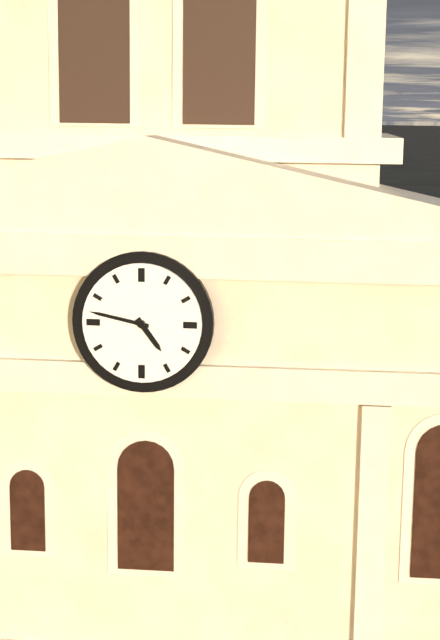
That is **4:47**
